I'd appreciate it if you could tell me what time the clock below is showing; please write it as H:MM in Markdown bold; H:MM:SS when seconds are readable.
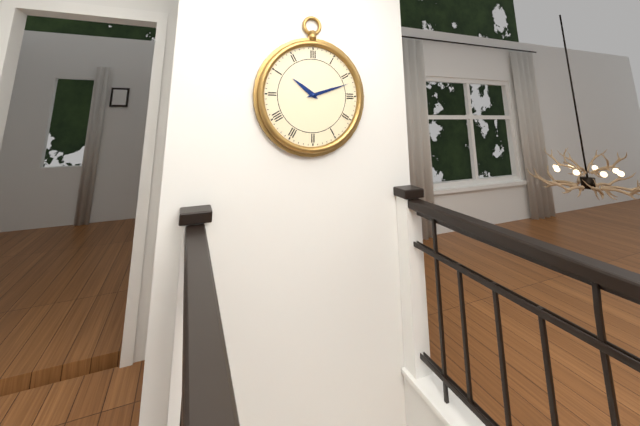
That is **10:12**
